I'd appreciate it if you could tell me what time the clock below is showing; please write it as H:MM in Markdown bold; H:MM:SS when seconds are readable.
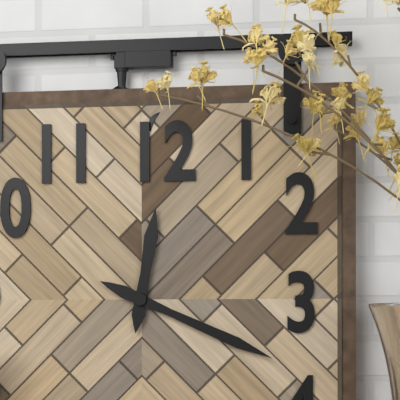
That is **12:19**
